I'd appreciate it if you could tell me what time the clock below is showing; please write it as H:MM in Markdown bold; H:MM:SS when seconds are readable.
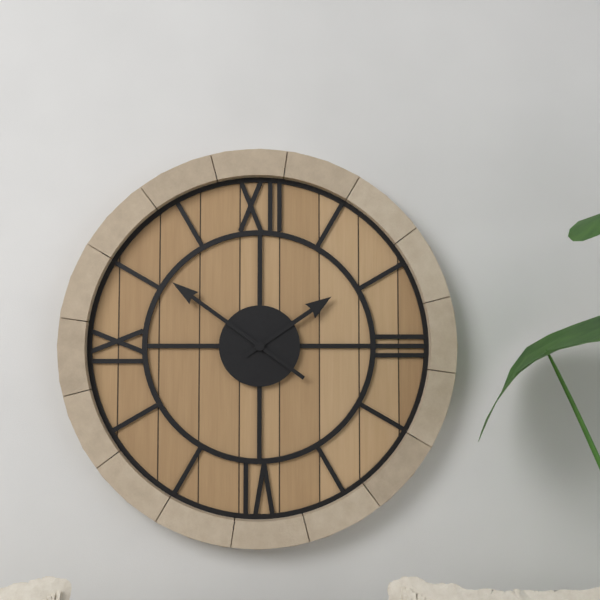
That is **1:51**
